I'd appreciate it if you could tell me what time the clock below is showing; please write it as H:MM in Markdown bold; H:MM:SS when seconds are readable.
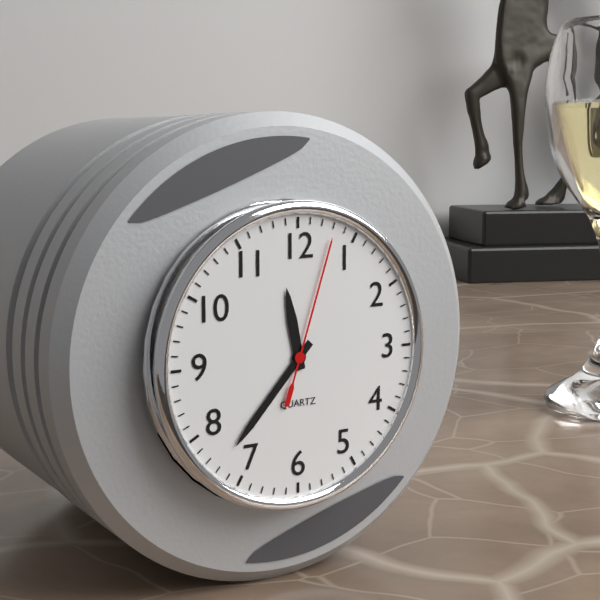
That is **11:37:03**
